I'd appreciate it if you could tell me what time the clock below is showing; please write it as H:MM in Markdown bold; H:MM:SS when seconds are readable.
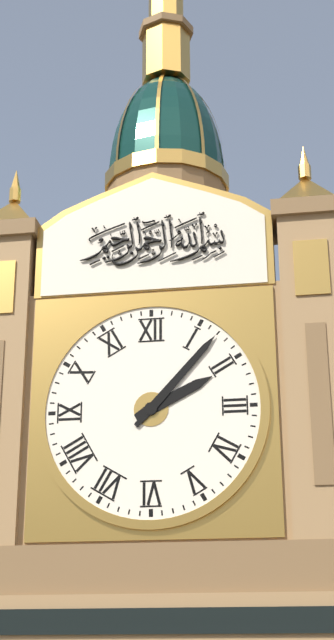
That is **2:07**
